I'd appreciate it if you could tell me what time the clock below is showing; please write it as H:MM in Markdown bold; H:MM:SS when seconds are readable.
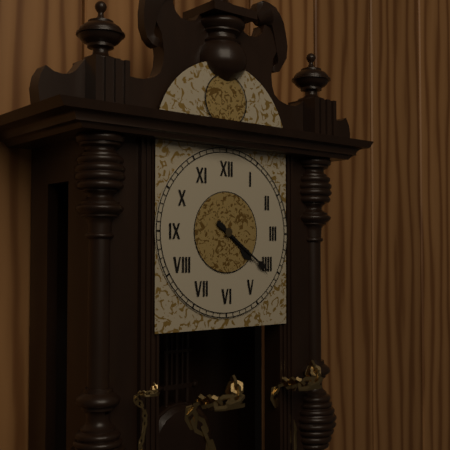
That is **4:21**
